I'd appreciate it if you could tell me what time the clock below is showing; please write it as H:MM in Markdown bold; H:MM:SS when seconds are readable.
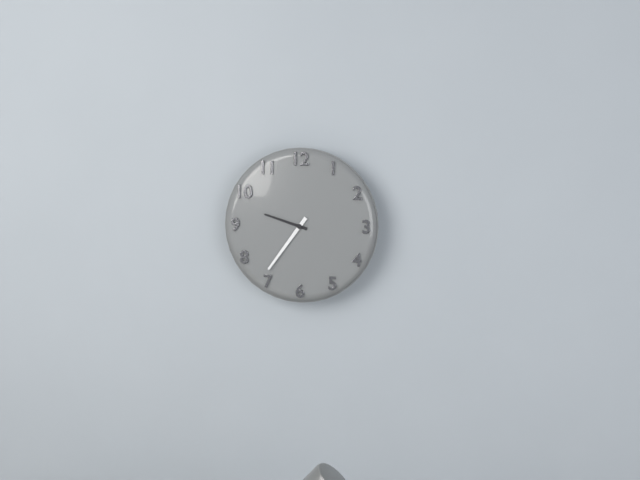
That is **9:36**
